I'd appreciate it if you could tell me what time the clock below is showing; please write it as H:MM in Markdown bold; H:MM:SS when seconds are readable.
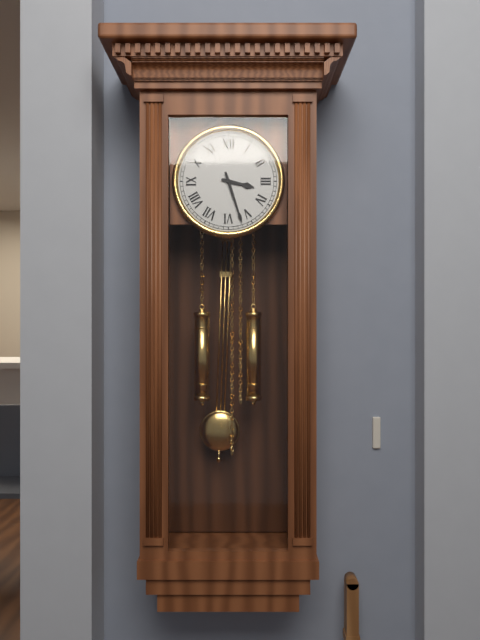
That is **3:27**
